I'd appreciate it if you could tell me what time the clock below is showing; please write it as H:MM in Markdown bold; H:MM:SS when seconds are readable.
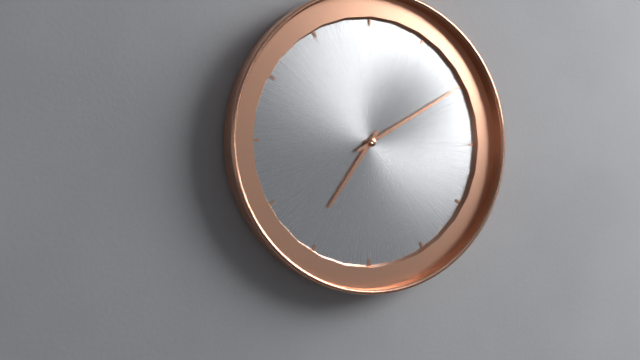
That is **7:10**
